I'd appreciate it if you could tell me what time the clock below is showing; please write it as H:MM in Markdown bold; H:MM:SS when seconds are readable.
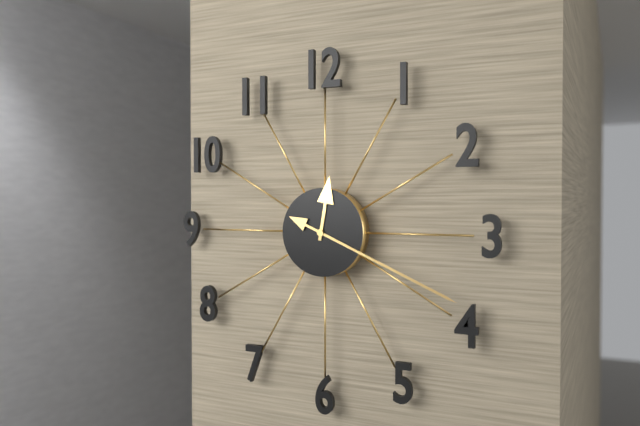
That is **12:19**
